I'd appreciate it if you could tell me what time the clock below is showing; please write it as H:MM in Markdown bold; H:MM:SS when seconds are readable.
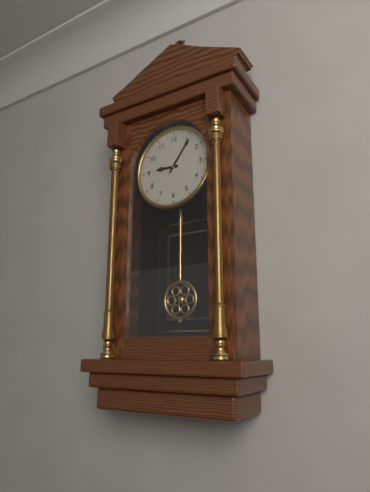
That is **9:06**
